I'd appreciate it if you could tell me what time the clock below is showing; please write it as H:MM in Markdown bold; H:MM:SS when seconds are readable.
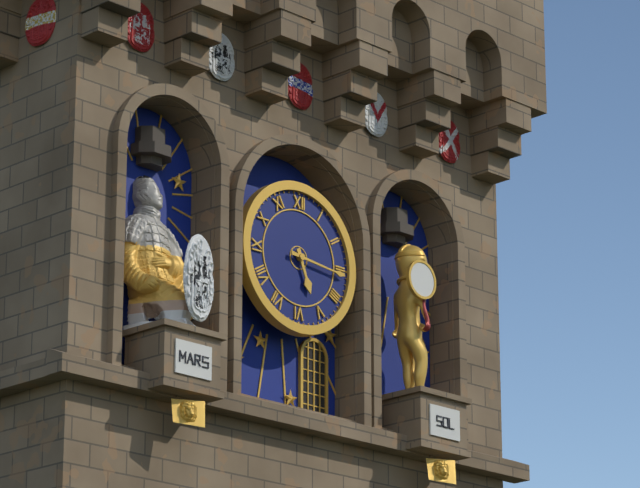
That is **5:16**
